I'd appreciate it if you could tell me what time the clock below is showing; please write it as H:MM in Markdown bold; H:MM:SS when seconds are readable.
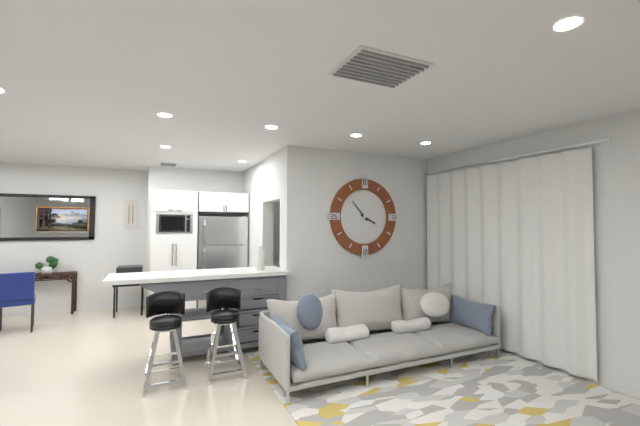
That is **3:53**
